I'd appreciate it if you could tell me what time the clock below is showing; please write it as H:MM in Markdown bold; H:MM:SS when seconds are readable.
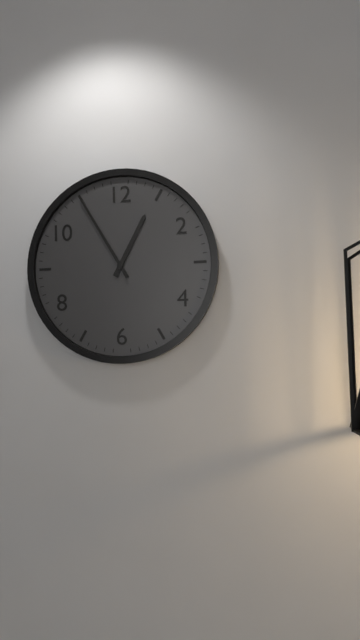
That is **12:55**
